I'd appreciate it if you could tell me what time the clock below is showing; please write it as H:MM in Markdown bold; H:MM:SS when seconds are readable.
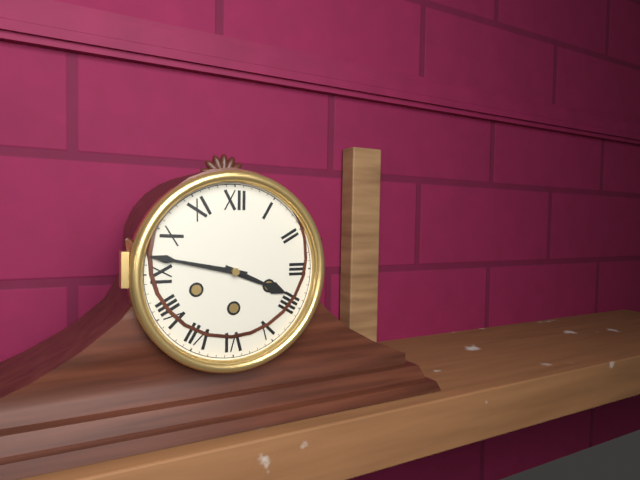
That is **3:47**
